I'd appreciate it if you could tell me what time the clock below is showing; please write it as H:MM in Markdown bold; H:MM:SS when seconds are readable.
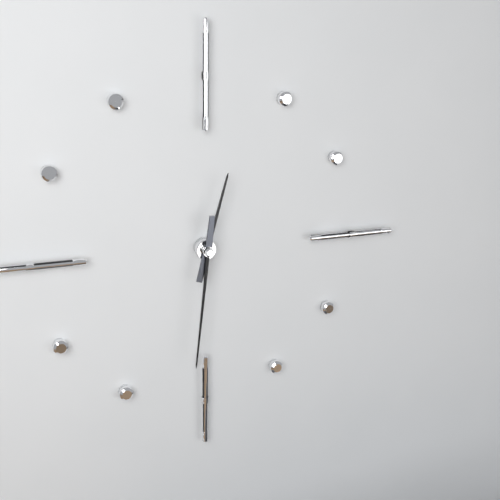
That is **12:31**
